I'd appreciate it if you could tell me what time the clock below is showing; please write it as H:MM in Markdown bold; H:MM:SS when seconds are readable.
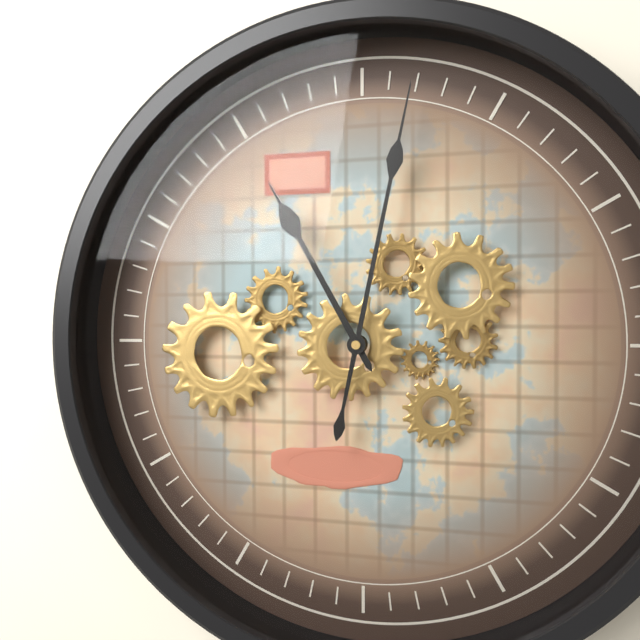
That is **11:02**
